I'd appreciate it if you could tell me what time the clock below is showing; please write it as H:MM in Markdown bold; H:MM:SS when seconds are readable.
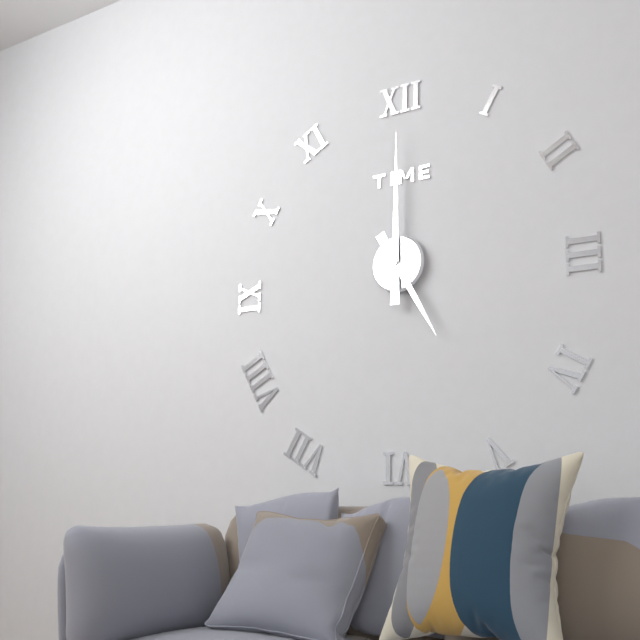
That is **5:00**
